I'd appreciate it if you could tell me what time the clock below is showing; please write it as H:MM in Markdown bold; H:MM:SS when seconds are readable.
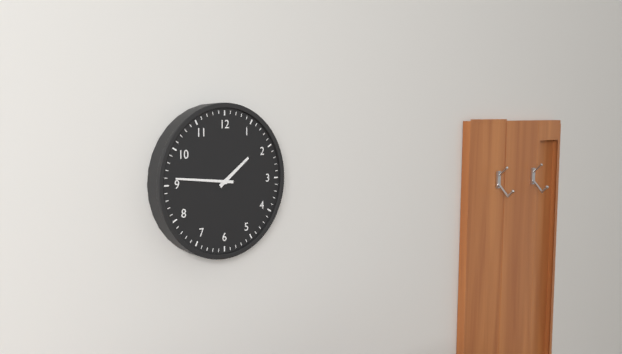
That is **1:46**
